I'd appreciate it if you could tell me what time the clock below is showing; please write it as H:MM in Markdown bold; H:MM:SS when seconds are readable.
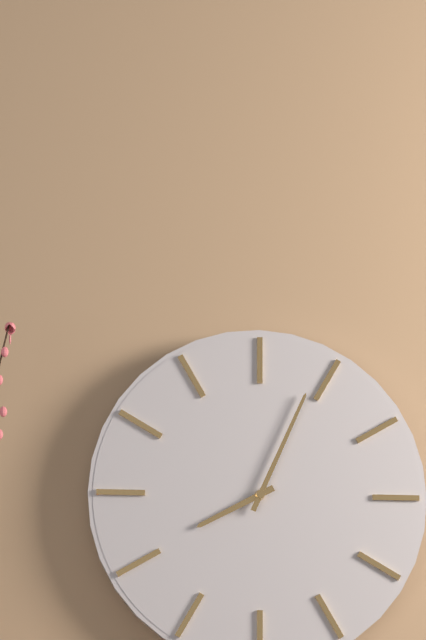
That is **8:04**
